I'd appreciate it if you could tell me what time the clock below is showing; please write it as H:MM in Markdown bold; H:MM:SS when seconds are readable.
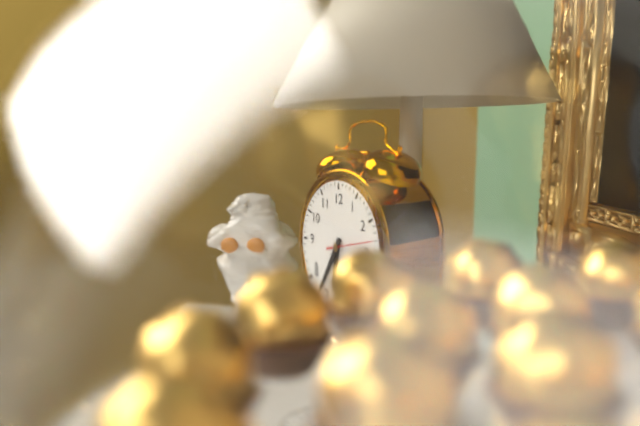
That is **6:37**
